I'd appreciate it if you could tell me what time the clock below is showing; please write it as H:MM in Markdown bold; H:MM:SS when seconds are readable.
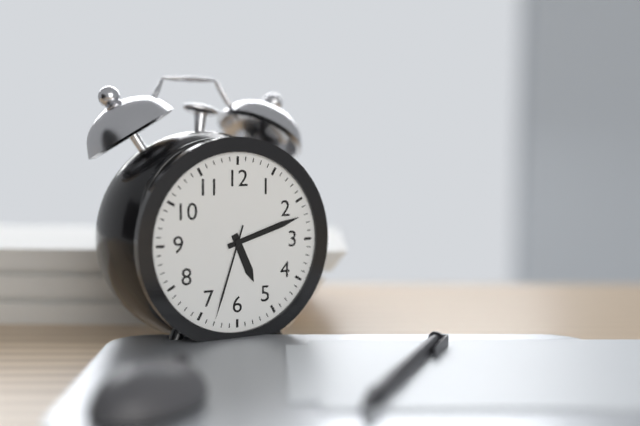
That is **5:12:33**
